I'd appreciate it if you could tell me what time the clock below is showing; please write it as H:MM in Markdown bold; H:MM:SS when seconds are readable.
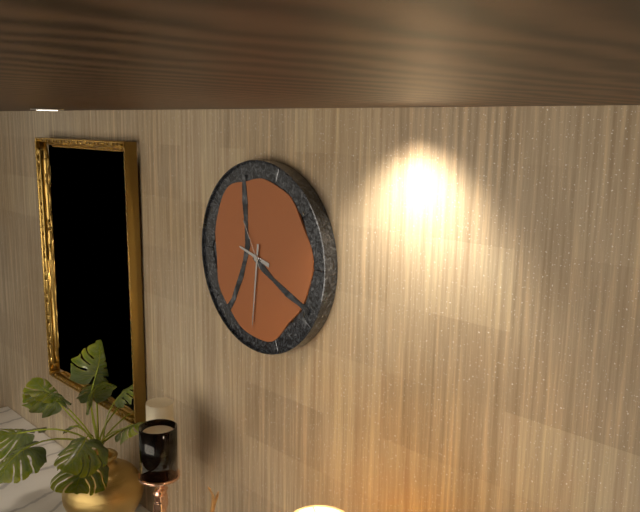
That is **9:31:55**
